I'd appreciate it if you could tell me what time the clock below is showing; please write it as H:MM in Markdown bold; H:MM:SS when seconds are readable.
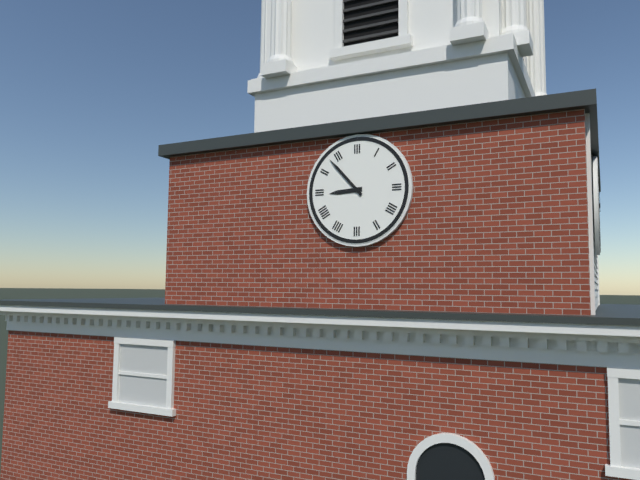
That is **8:53**
